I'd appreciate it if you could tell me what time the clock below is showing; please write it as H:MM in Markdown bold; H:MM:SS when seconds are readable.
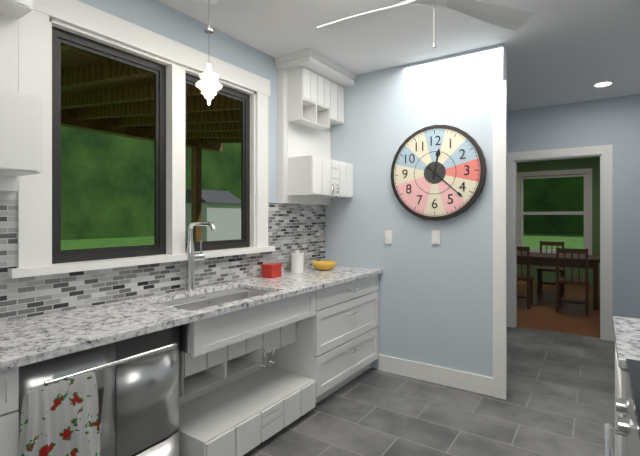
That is **12:22**
